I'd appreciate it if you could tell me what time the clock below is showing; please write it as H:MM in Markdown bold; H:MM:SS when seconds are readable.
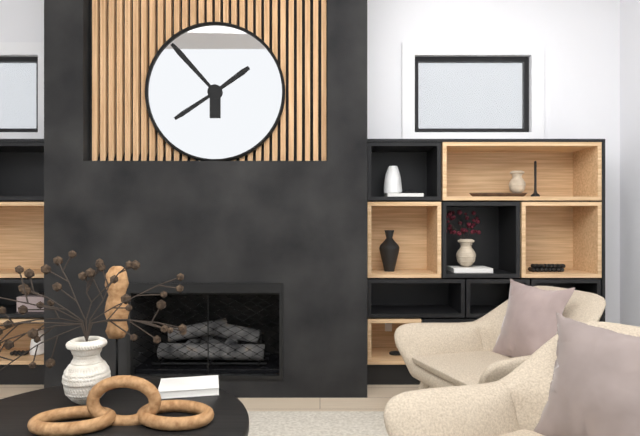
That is **7:53:09**
